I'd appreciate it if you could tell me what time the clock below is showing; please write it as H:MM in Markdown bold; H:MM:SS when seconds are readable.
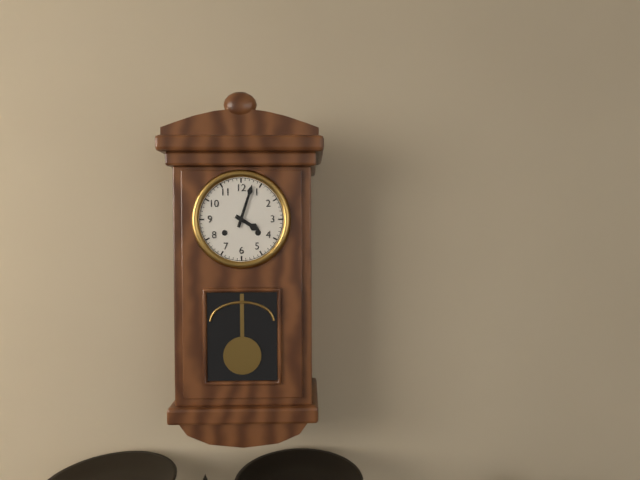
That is **4:03**
